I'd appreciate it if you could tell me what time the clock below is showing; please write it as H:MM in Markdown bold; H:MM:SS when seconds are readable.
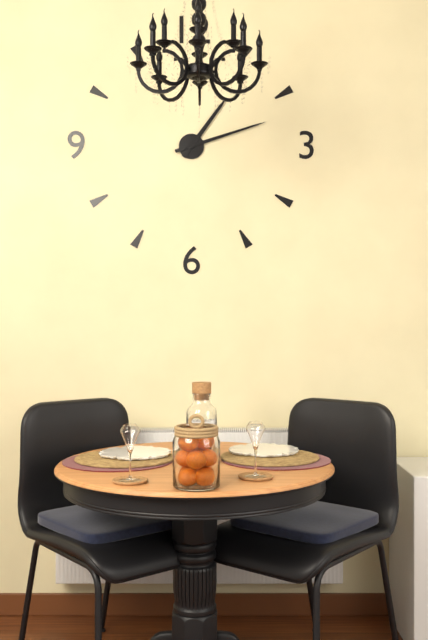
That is **1:12**
